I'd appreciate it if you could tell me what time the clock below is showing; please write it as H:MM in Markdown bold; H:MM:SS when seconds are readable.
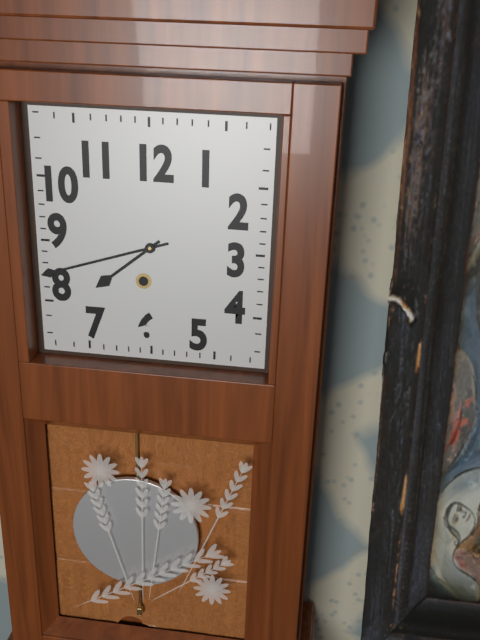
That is **7:42**
